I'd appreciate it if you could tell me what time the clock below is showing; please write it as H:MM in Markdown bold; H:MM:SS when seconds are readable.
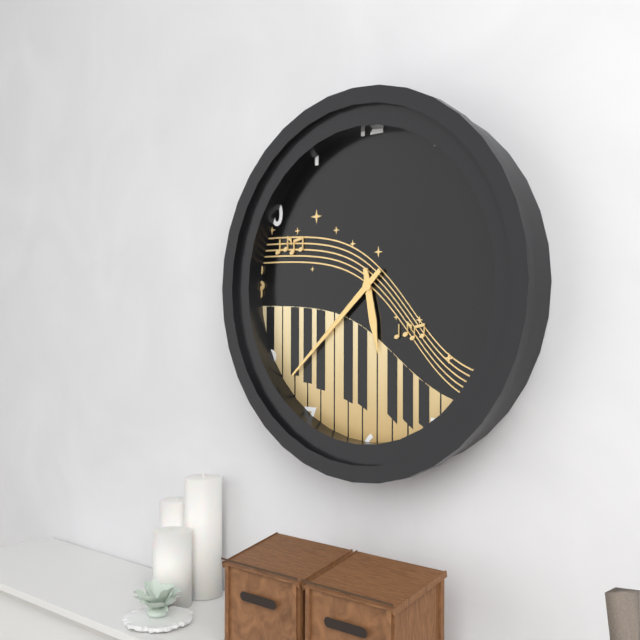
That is **5:38**
